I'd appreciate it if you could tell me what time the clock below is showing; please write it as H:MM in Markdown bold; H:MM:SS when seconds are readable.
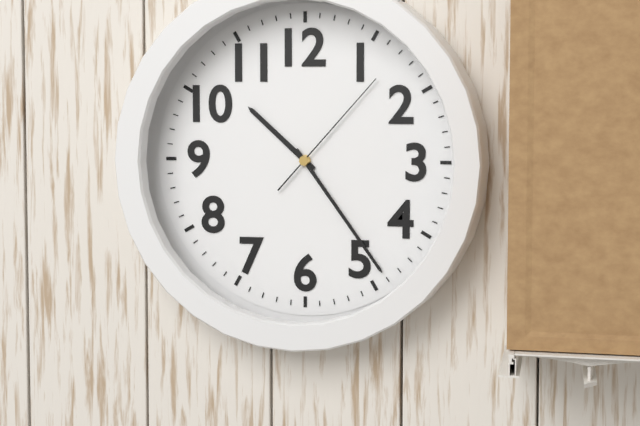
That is **10:24:07**
